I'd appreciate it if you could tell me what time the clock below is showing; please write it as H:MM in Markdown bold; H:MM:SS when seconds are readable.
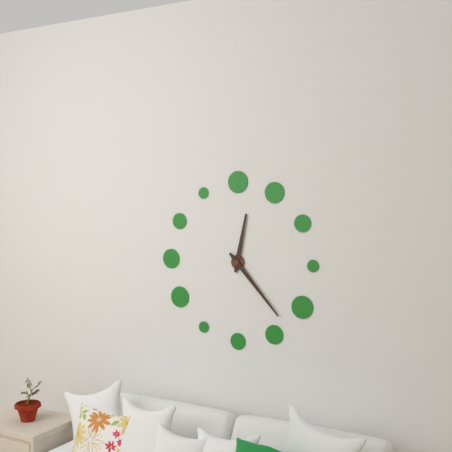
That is **12:23**
